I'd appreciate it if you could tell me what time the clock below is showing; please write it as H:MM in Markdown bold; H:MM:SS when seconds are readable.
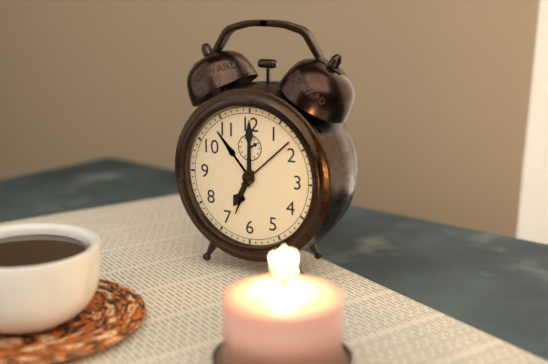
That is **7:00**
